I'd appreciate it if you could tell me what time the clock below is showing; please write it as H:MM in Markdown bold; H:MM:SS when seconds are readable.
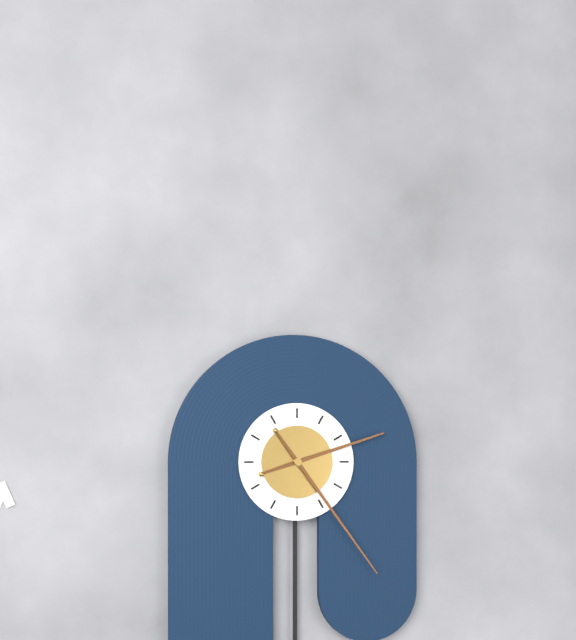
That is **2:24**
